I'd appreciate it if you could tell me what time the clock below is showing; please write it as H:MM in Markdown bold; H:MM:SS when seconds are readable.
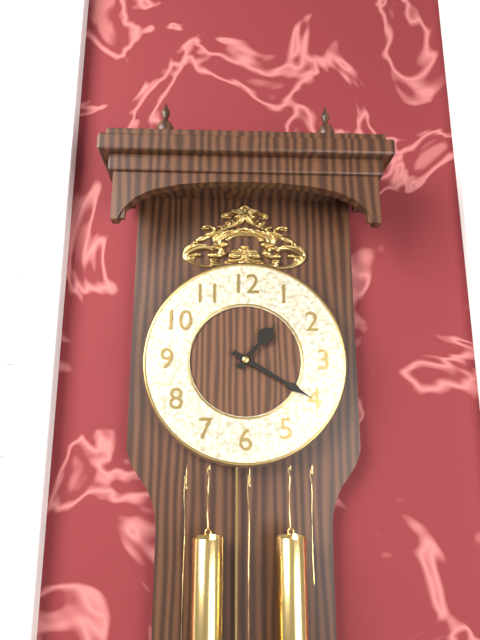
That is **1:20**
